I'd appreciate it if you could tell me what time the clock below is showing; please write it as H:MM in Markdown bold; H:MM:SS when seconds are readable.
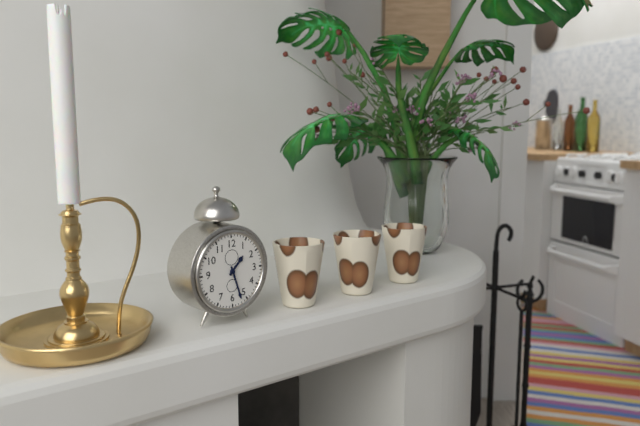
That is **1:27**
